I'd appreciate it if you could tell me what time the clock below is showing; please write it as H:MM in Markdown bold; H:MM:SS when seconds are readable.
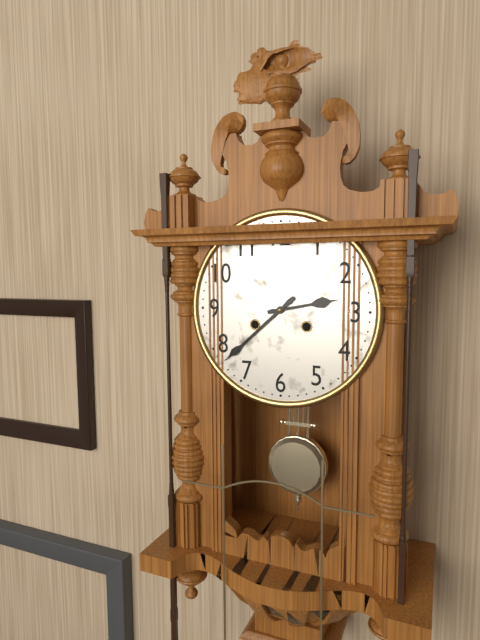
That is **2:38**
